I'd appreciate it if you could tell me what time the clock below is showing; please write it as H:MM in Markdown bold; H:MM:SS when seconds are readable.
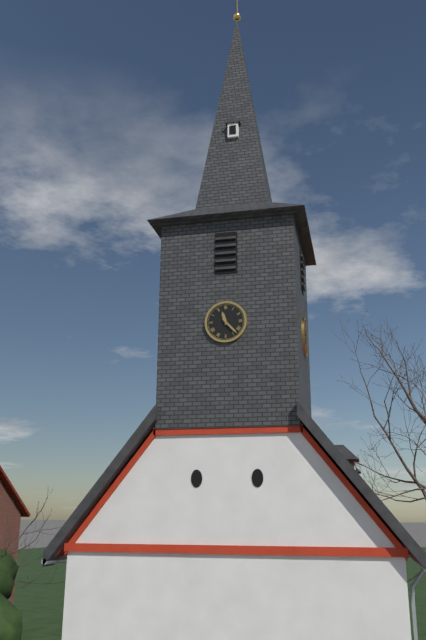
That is **11:23**
